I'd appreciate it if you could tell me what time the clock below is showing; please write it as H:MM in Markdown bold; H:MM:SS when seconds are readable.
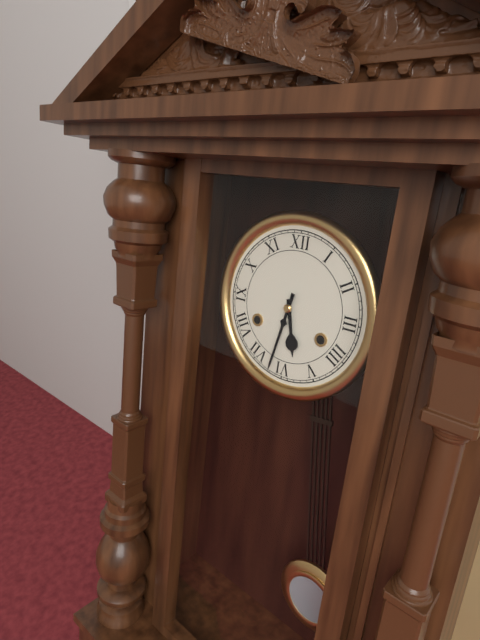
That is **5:32**
